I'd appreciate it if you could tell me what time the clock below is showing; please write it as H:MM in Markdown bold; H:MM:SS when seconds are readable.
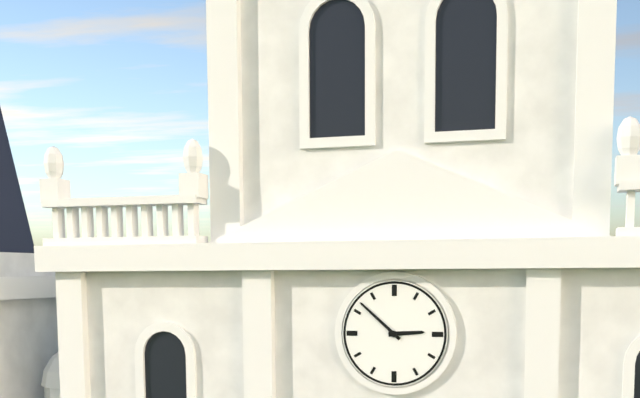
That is **2:52**
